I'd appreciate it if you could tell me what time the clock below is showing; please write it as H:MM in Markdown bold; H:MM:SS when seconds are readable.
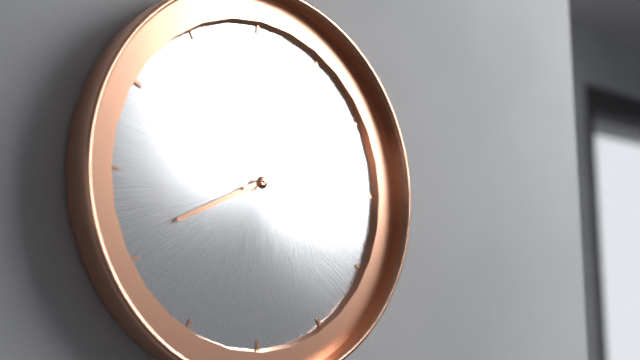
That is **8:12**
